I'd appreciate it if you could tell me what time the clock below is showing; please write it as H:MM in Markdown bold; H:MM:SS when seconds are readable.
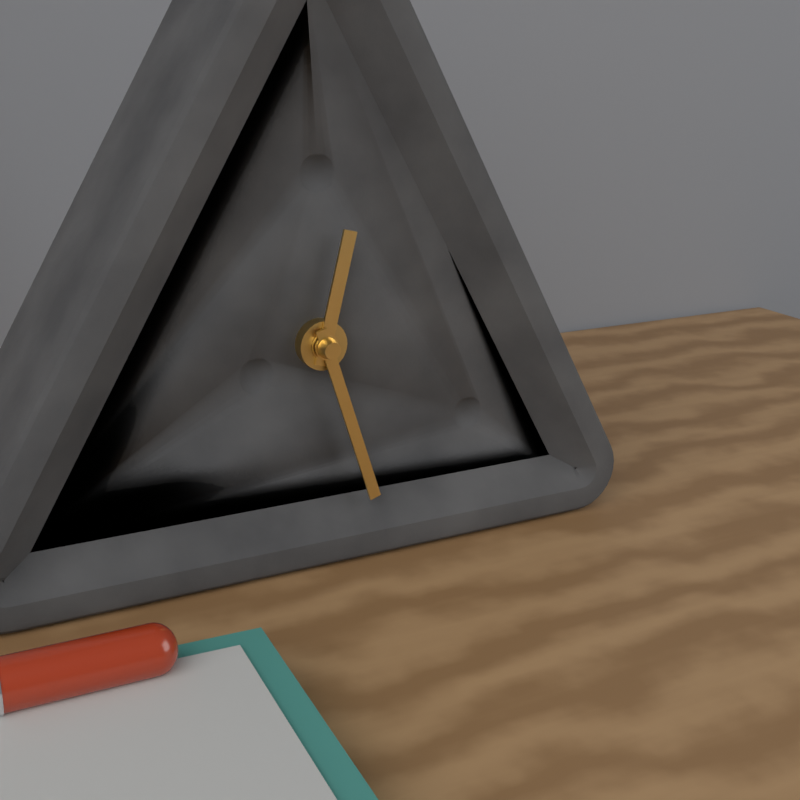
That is **12:27**
